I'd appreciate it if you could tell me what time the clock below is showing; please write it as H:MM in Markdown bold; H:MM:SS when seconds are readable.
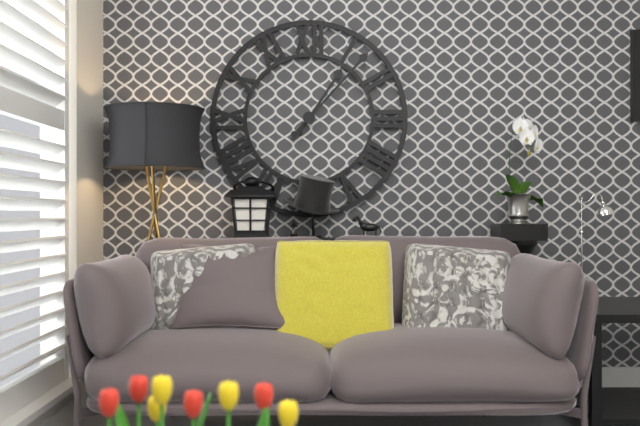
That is **1:07**
